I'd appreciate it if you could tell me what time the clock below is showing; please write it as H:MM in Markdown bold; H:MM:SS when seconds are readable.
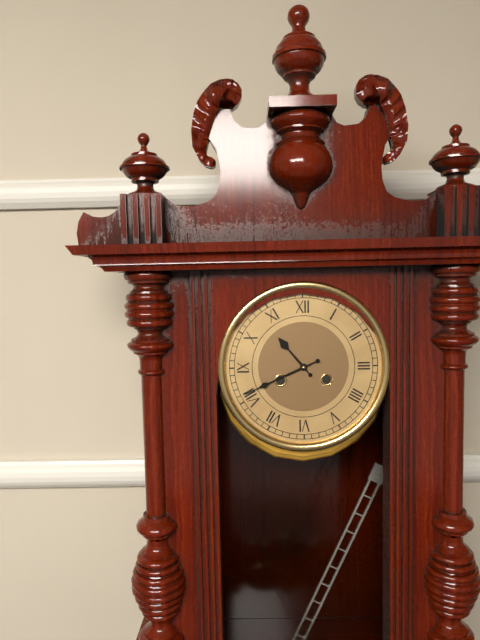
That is **10:41**
